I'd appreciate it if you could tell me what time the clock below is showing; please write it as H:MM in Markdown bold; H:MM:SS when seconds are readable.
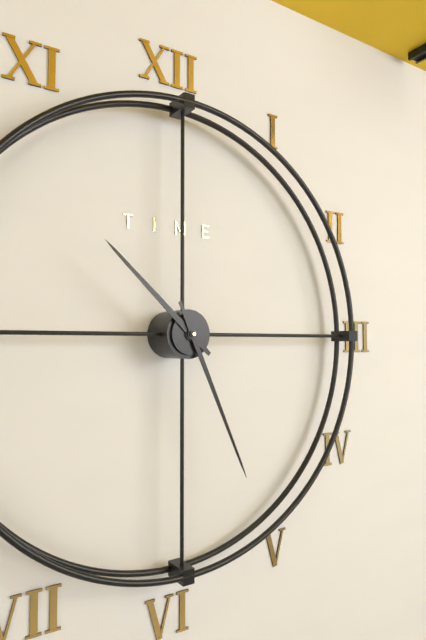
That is **10:26**
